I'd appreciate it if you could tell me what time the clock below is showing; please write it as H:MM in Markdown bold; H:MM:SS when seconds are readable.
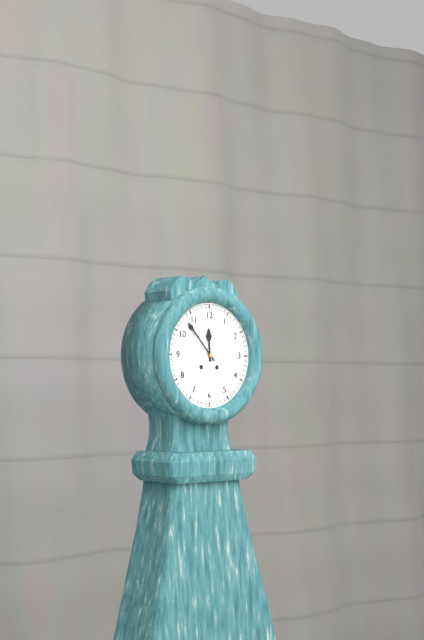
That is **11:53**
